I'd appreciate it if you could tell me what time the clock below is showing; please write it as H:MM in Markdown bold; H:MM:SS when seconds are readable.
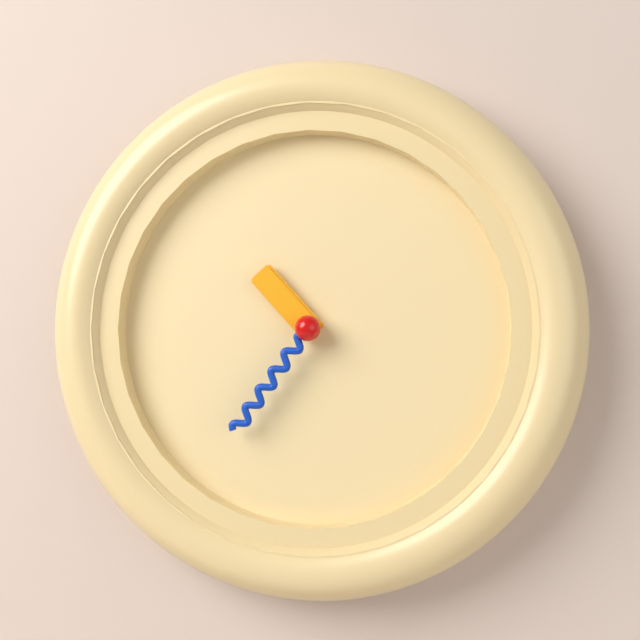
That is **10:36**
